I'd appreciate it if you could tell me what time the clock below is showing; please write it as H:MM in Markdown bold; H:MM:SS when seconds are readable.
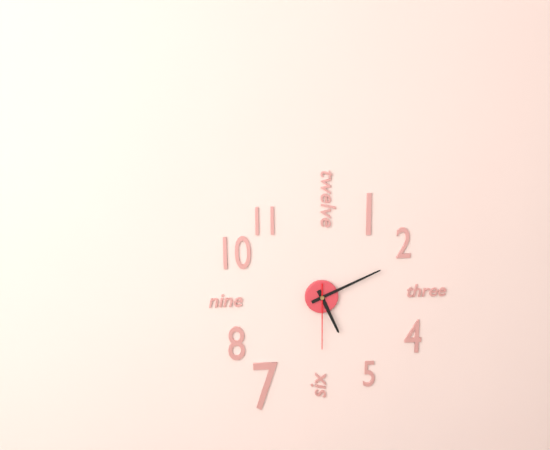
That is **5:11:30**
